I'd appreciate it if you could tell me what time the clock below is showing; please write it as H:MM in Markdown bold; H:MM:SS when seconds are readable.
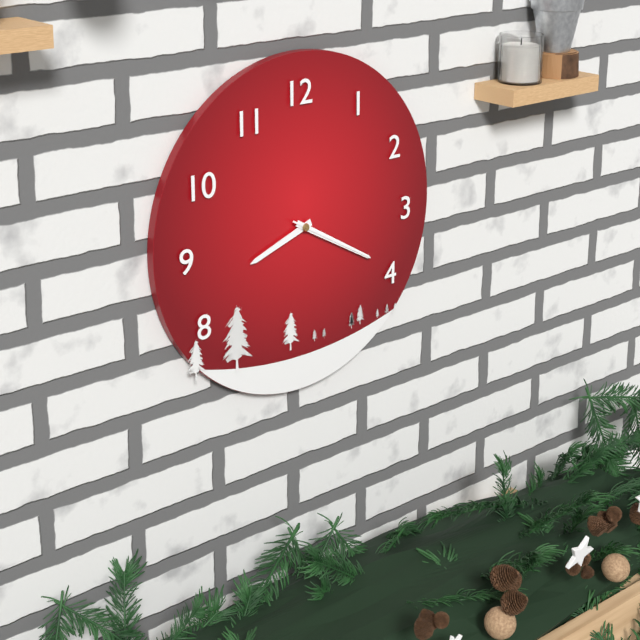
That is **8:20:20**
